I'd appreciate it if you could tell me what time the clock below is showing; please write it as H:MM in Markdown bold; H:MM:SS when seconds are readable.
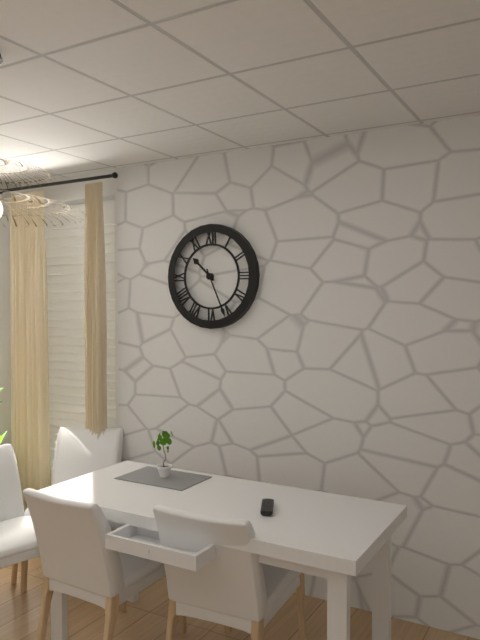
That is **10:26**
